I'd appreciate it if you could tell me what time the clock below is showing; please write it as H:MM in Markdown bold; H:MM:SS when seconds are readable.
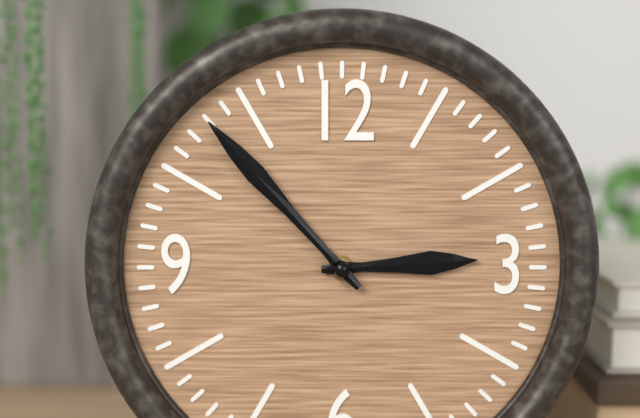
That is **2:53**
